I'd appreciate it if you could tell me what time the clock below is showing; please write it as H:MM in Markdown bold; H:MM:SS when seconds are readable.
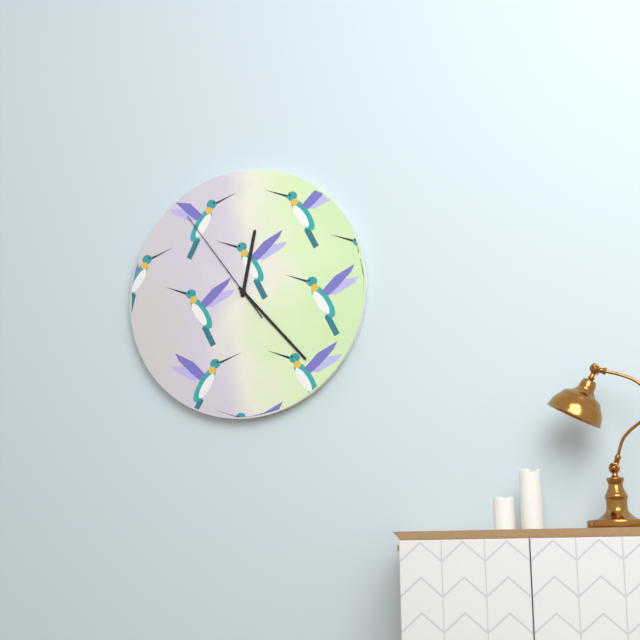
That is **12:23:54**
